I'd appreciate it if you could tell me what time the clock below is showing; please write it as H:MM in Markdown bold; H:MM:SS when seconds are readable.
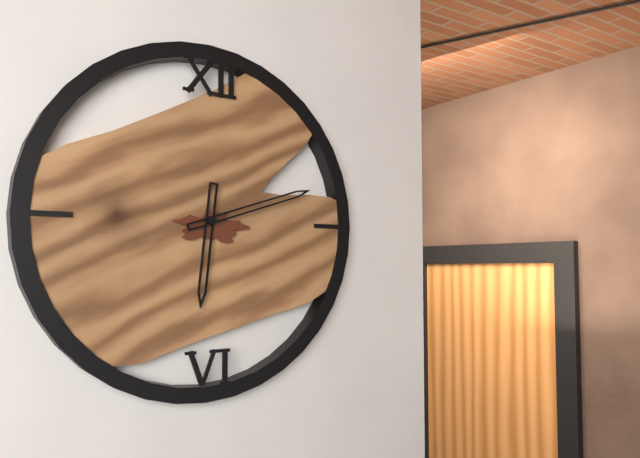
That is **6:12**
